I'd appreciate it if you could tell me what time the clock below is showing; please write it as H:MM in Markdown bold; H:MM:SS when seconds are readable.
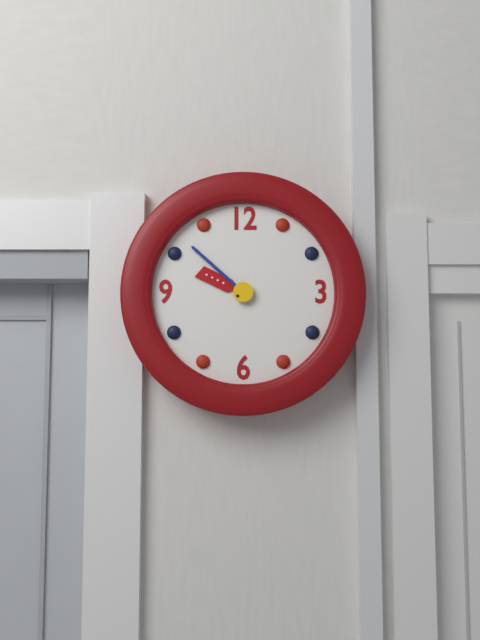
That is **9:52**
